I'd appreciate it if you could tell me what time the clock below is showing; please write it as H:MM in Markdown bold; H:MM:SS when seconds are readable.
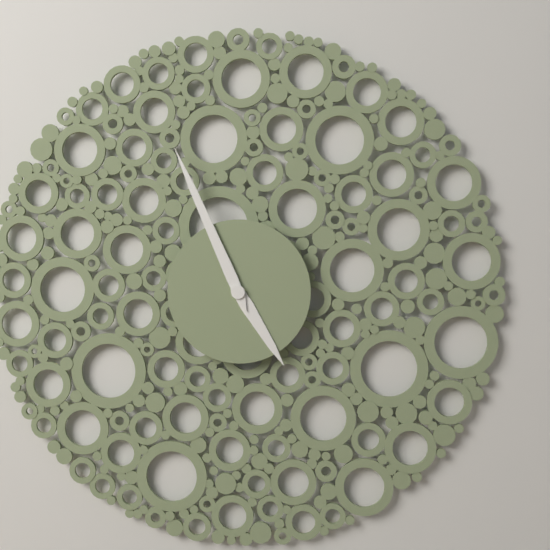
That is **4:56**
